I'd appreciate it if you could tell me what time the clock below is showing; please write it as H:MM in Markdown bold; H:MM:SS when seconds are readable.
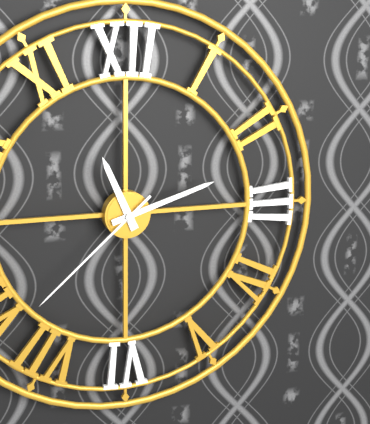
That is **11:12:38**
